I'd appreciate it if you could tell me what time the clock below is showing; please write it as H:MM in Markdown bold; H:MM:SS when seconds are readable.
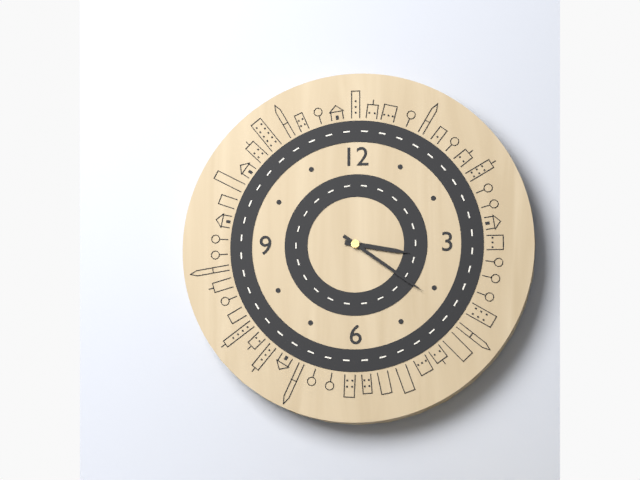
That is **3:21**
